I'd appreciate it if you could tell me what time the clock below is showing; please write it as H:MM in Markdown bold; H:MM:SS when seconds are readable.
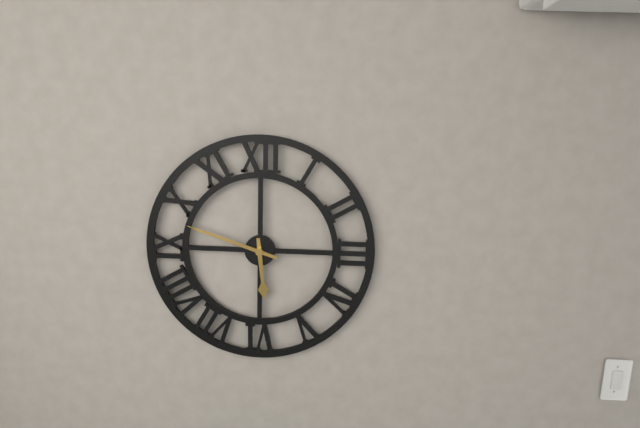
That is **5:48**
